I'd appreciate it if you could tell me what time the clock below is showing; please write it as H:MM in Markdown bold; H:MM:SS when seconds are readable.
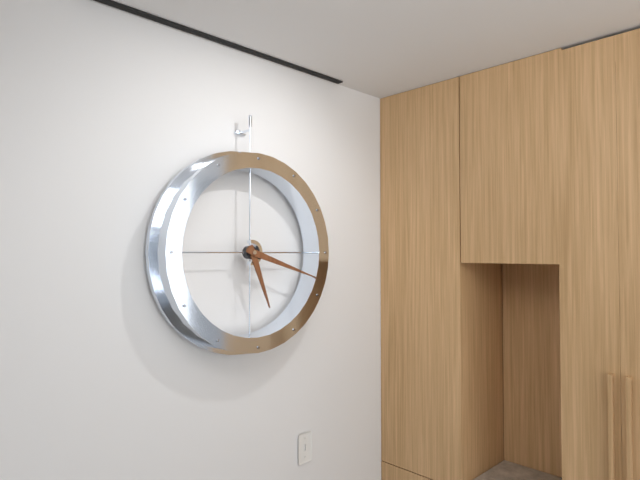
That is **5:18**
